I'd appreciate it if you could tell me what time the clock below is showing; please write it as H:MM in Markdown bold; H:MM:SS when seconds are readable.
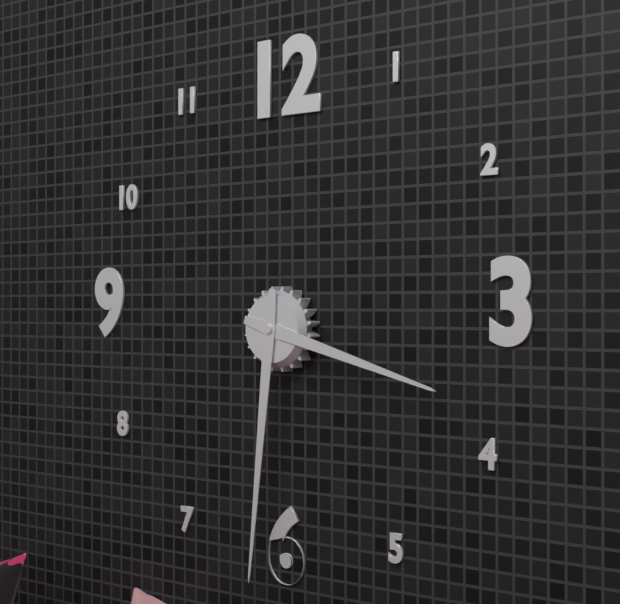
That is **3:31**
